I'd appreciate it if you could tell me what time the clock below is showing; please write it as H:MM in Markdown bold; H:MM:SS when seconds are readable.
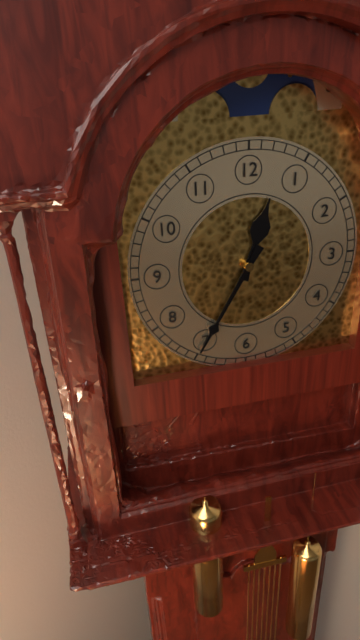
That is **12:35**
